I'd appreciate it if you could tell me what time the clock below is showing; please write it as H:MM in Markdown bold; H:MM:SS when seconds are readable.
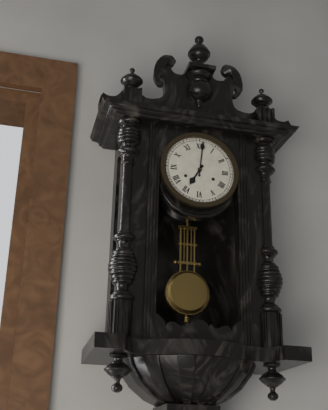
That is **7:01**
